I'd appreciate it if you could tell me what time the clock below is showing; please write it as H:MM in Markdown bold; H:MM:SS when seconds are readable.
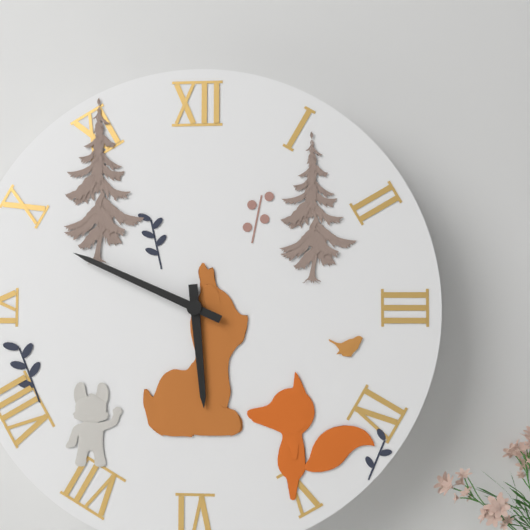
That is **5:49**
